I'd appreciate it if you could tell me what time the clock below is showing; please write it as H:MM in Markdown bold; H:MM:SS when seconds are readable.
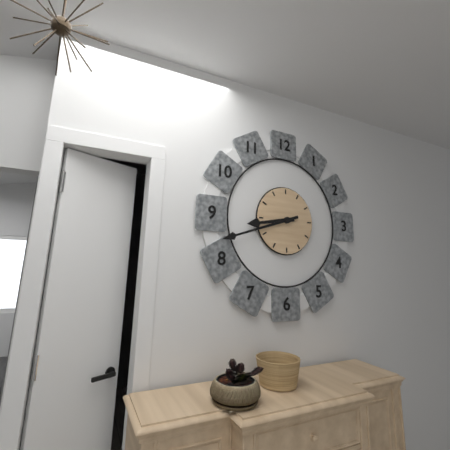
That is **8:42**
